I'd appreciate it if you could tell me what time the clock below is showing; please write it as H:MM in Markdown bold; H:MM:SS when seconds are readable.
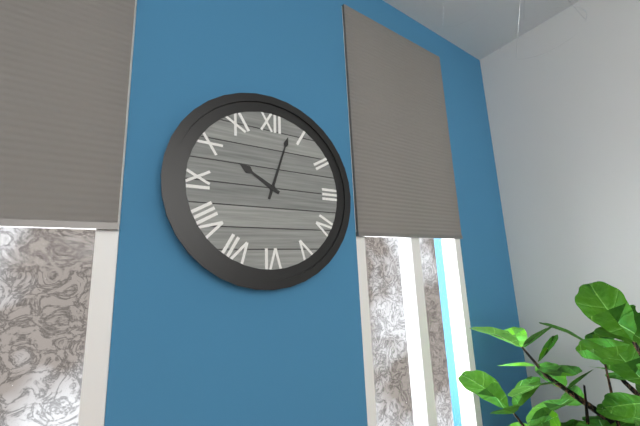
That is **10:03**
